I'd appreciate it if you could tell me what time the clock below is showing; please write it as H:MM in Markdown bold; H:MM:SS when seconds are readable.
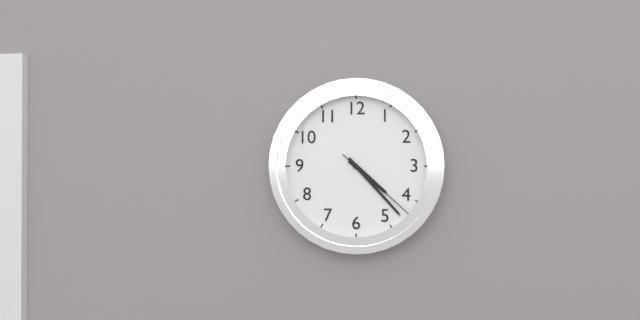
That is **4:23:22**
